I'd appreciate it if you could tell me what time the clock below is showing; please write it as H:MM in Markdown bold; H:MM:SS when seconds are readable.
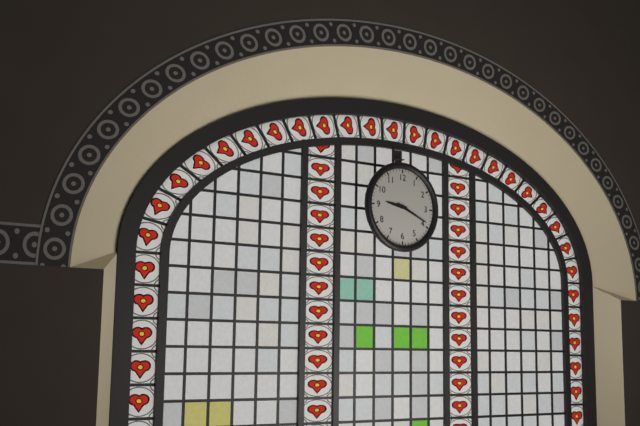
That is **9:19**
